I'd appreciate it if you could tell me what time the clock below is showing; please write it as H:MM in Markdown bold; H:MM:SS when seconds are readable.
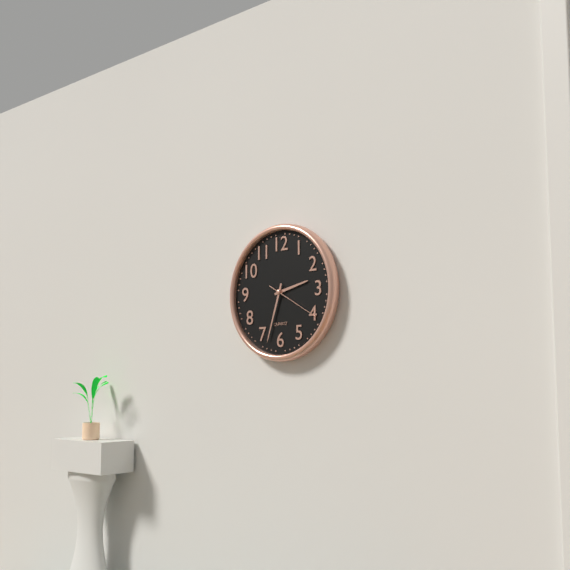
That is **2:33:20**
